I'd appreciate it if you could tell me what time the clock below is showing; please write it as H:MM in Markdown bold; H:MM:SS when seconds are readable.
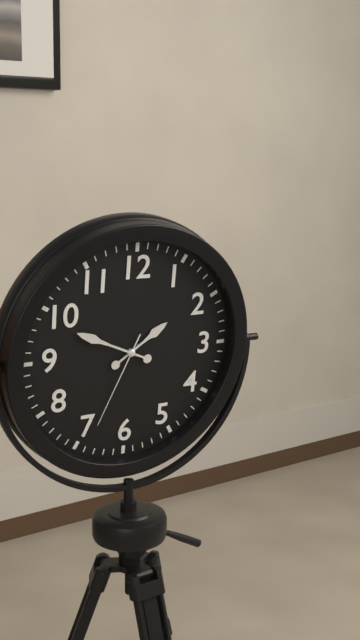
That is **1:49:34**
